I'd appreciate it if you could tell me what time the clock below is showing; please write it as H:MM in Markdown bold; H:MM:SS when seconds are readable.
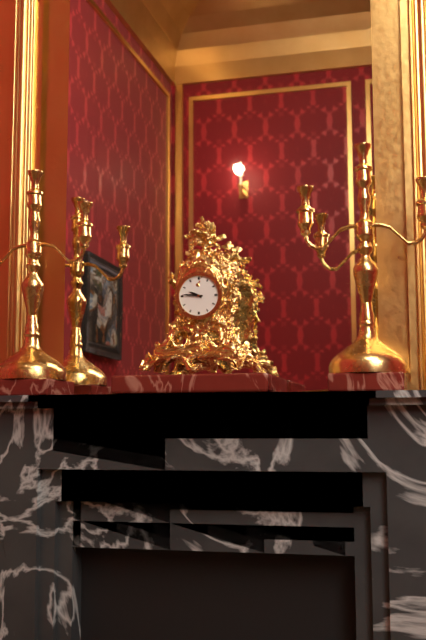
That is **9:46**
